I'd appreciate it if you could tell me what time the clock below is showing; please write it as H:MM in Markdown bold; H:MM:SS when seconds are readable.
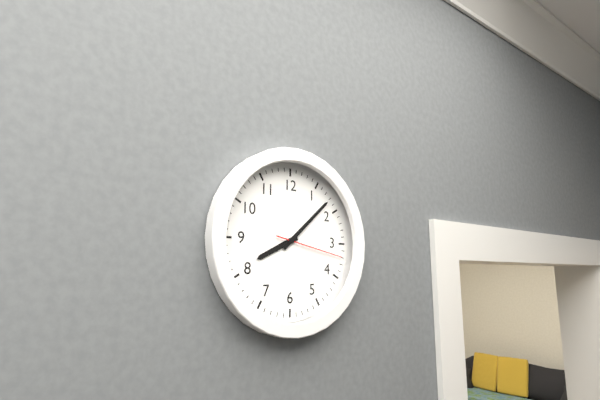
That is **8:08:17**
